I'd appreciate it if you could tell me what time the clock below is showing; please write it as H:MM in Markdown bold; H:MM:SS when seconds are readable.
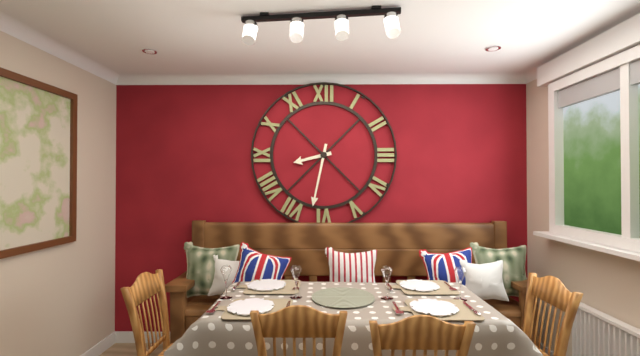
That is **8:32**
